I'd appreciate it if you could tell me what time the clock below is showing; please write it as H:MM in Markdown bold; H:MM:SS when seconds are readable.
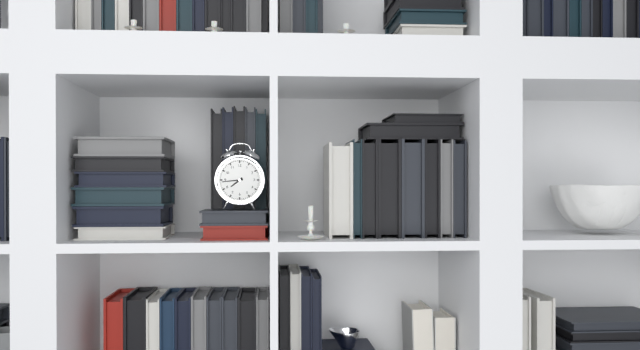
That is **7:44**
